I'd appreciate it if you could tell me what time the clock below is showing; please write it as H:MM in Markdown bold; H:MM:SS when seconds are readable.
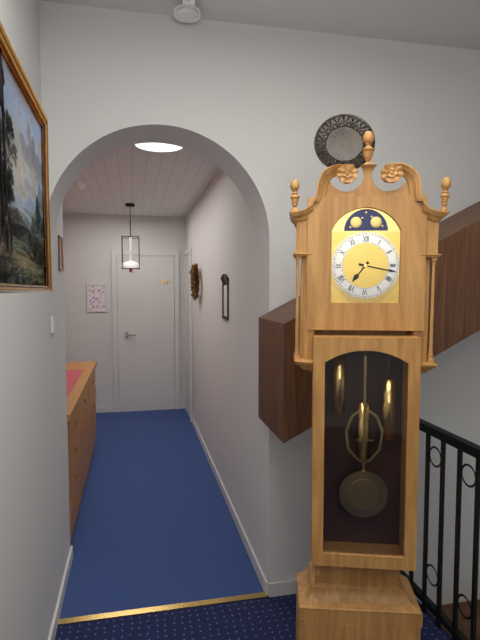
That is **7:17**
